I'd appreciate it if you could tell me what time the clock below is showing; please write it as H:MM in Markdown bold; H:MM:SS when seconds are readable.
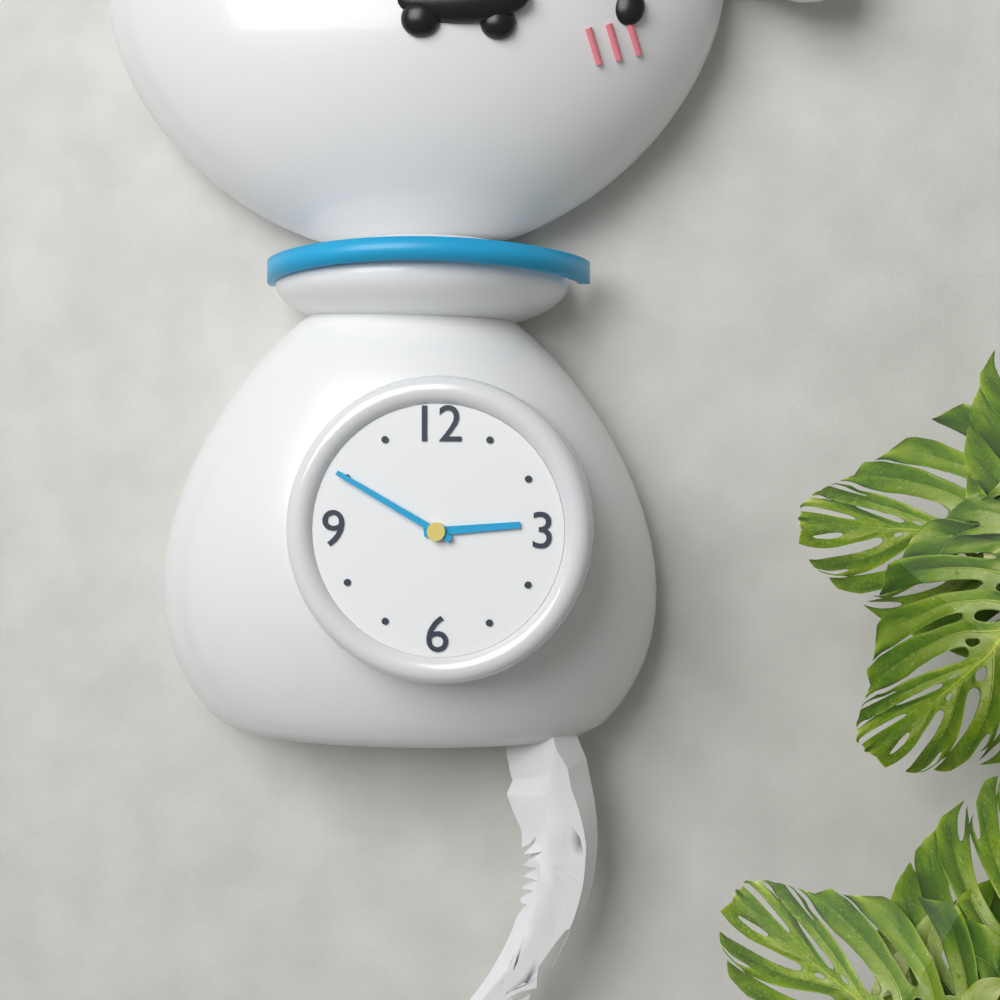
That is **2:50**
